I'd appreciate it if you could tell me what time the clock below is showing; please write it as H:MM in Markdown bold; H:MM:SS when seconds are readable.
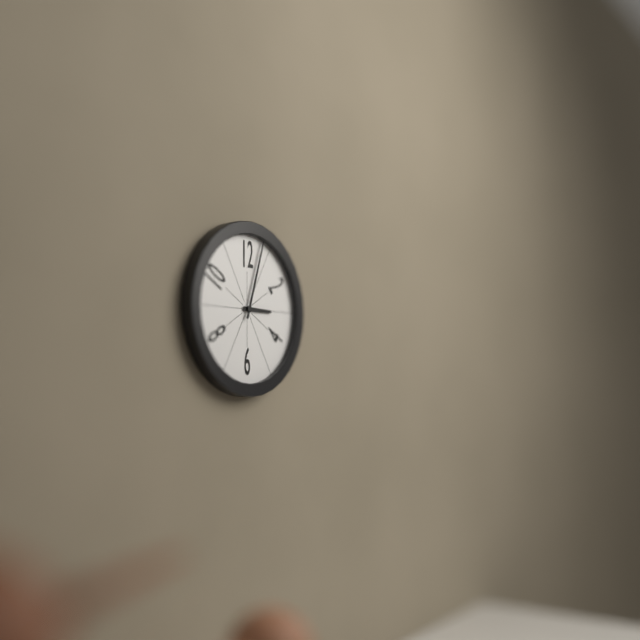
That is **3:03**
